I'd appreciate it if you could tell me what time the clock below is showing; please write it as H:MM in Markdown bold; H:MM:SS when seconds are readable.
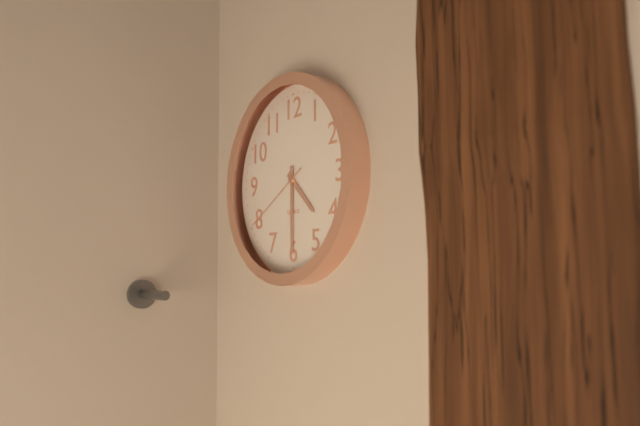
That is **4:30:40**
